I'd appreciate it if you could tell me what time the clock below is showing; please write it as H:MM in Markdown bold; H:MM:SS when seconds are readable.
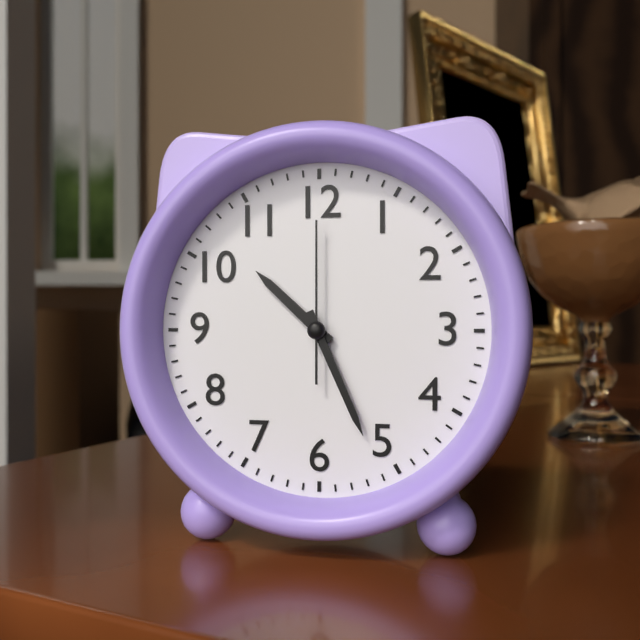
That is **10:26:00**
